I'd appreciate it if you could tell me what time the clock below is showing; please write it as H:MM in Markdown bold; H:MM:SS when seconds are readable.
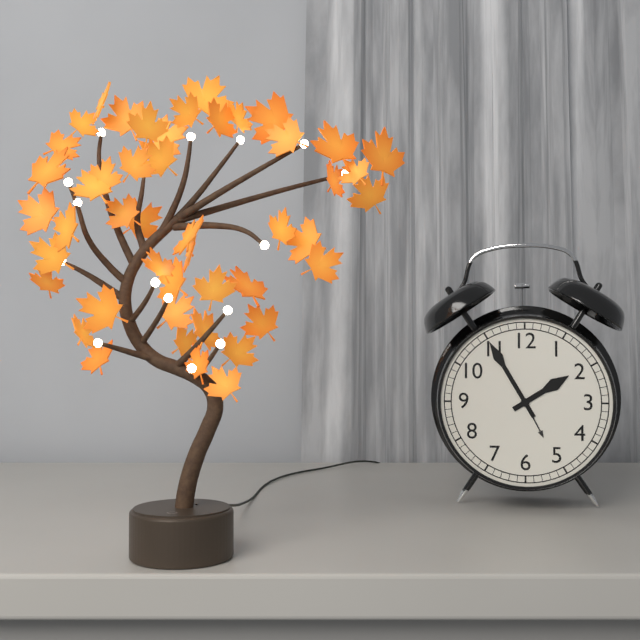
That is **1:55**
